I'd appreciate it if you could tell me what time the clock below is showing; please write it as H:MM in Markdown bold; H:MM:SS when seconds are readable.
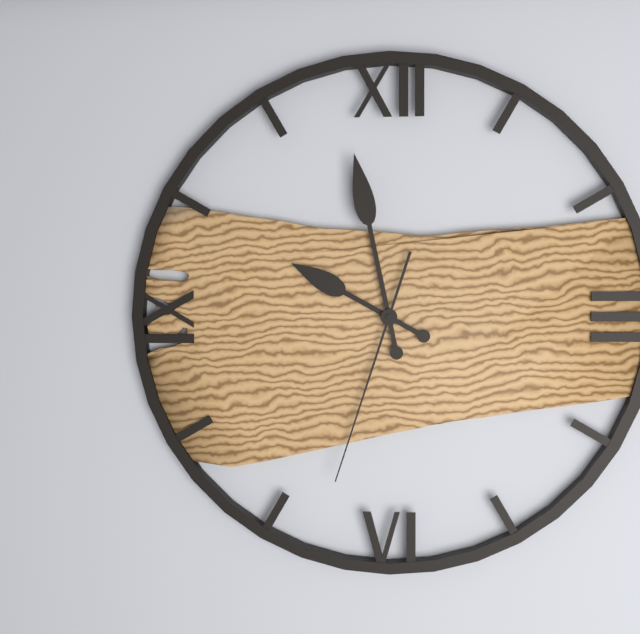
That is **9:58:33**
